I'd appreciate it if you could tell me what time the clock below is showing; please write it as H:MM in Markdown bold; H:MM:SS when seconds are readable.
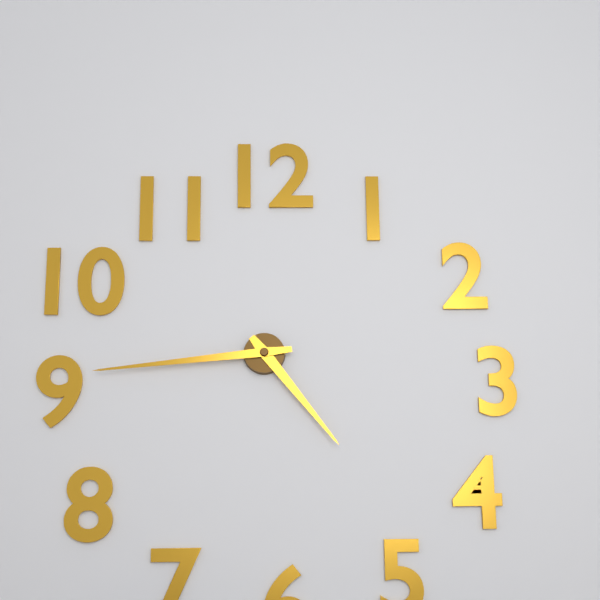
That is **4:44**
